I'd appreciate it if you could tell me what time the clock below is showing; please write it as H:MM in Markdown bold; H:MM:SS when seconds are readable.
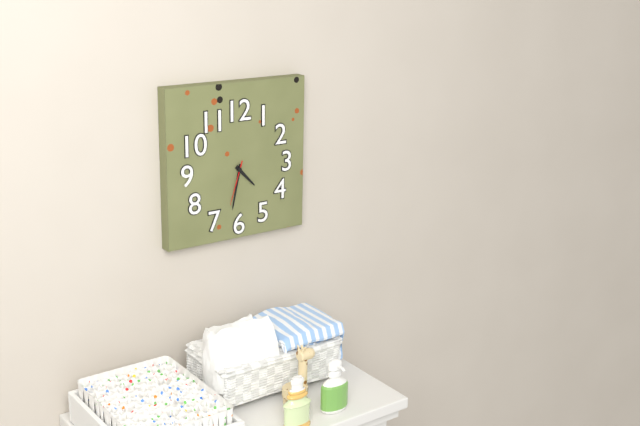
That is **4:32**
